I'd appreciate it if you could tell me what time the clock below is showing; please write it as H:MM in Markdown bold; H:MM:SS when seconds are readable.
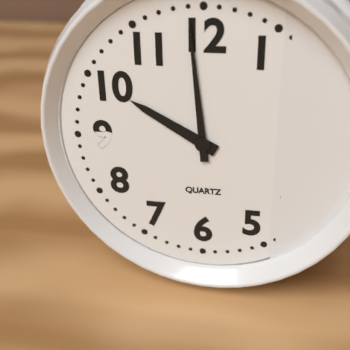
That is **9:59**
